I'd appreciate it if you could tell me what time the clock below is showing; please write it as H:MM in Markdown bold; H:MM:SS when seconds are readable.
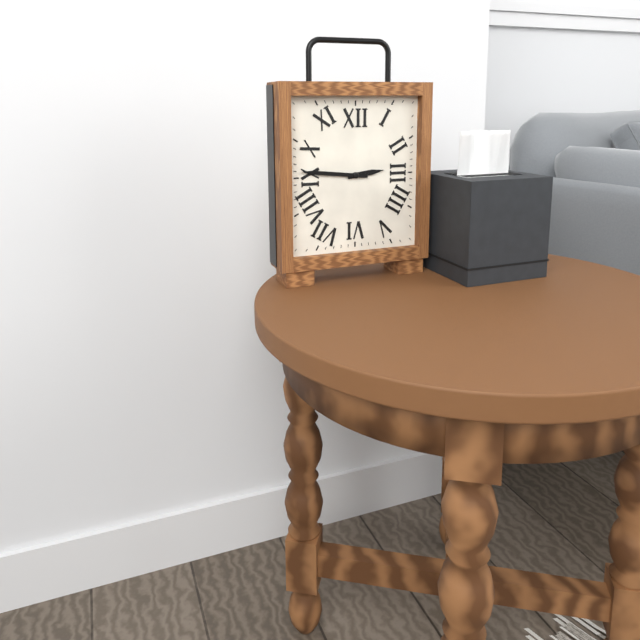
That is **2:46**
